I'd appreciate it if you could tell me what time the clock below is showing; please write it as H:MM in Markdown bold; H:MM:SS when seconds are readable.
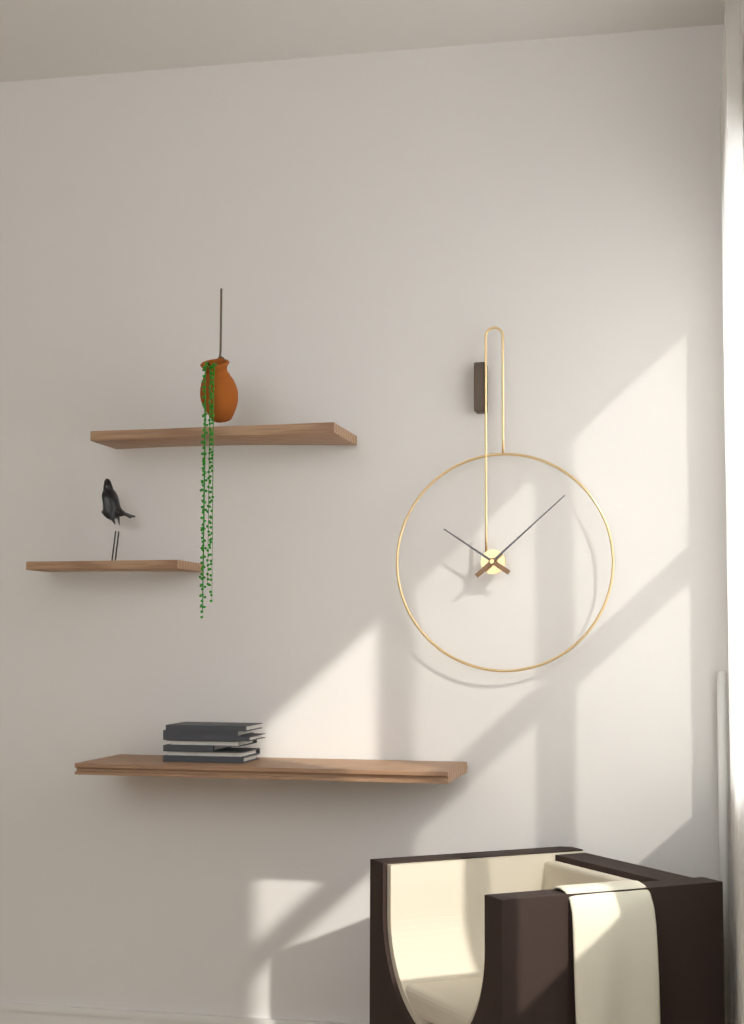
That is **10:08**
